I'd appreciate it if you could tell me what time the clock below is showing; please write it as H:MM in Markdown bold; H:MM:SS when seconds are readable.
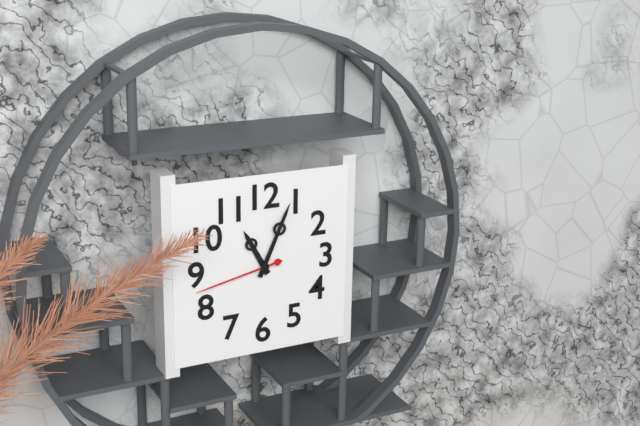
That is **11:04:43**
